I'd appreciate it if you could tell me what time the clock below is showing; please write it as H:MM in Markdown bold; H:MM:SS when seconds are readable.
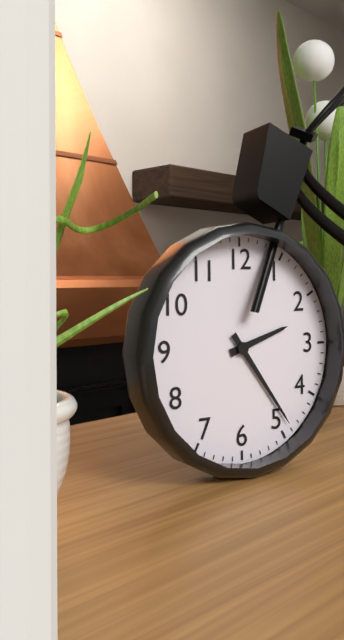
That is **2:24**
